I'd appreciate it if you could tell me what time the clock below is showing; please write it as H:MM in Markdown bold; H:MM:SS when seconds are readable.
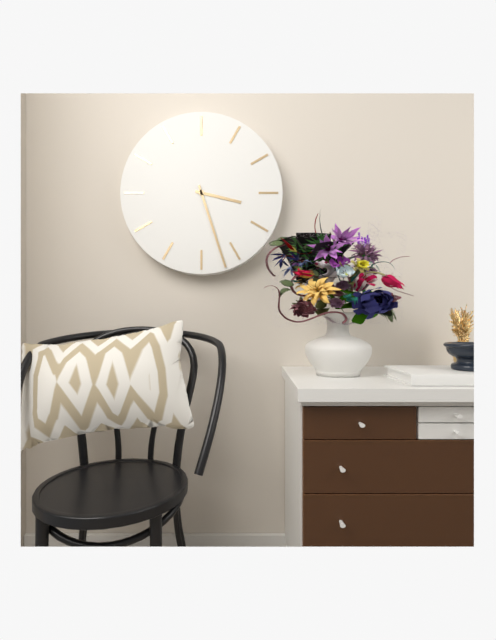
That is **3:27**
